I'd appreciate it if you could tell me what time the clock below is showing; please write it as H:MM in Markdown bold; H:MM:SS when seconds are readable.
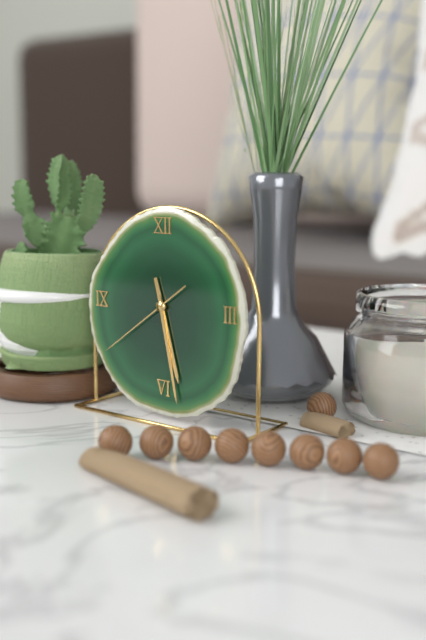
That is **5:28:39**
